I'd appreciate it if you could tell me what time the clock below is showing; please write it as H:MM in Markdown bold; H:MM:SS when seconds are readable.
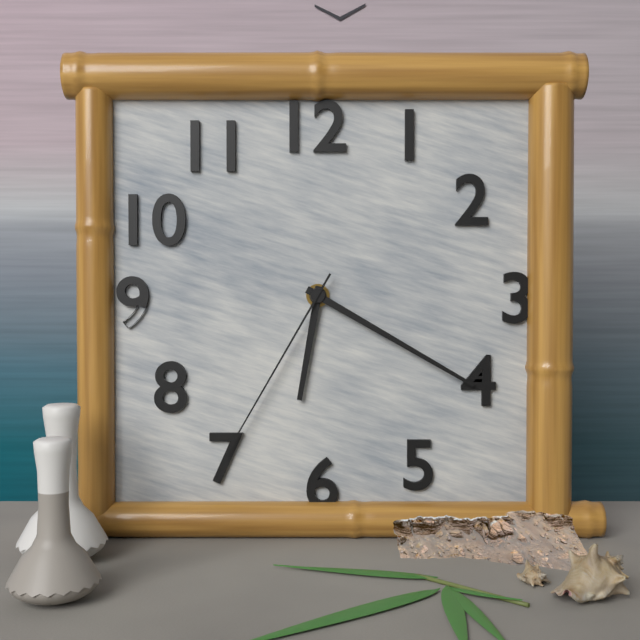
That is **6:20:35**
